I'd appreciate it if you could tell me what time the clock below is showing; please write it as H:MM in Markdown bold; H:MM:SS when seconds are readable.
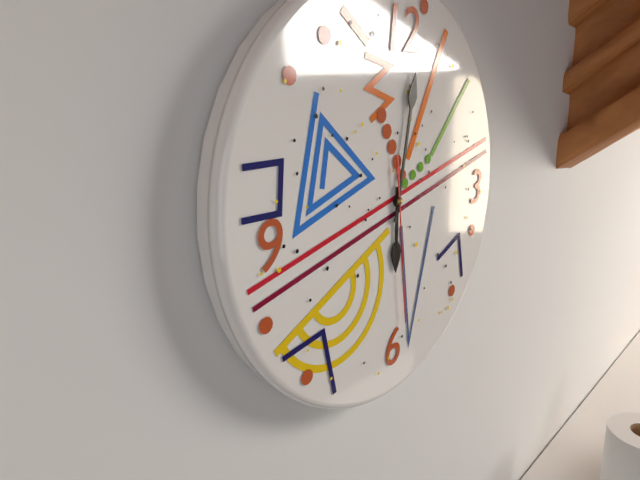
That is **6:02:29**
